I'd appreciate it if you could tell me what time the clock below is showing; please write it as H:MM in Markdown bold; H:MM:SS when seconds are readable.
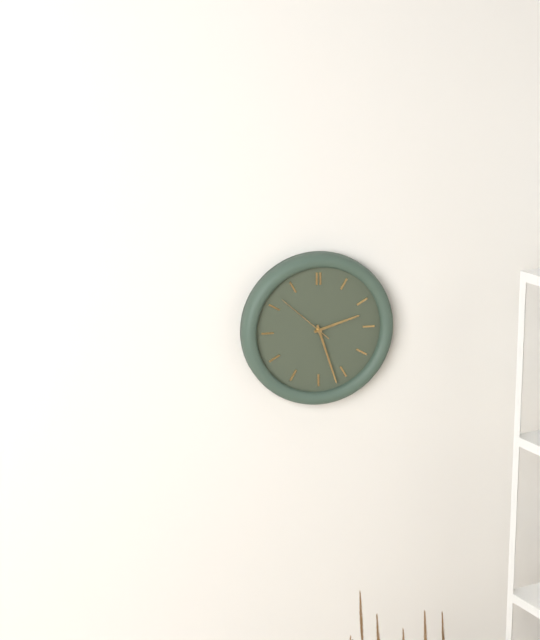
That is **2:27:52**
